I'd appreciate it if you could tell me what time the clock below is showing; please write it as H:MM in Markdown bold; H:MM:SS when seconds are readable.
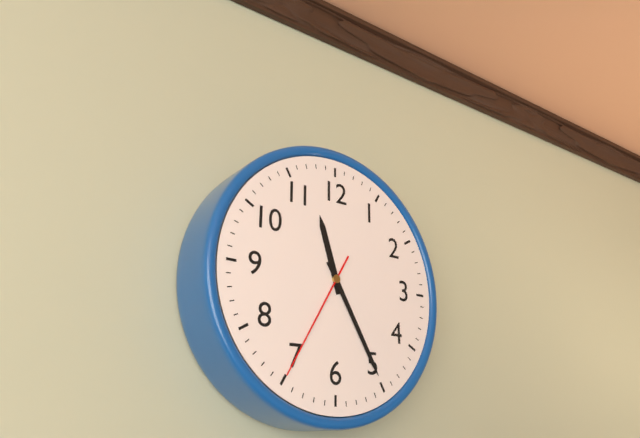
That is **11:25:35**
